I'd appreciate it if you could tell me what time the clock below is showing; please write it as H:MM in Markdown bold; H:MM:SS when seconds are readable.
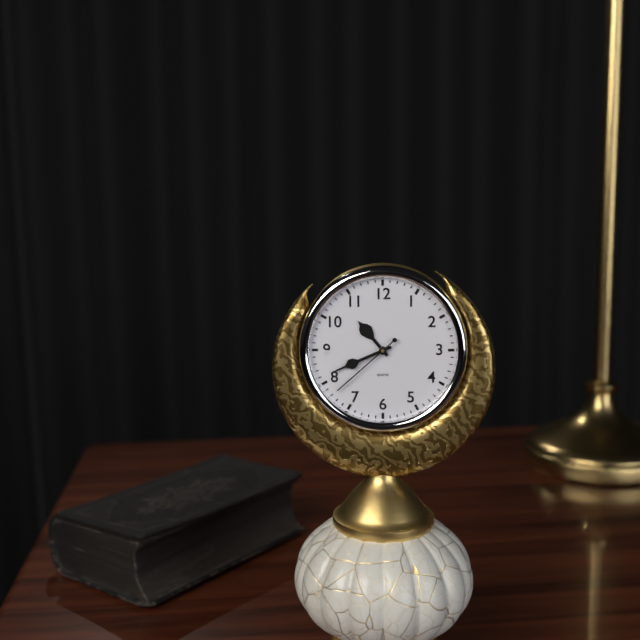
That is **10:41:38**
